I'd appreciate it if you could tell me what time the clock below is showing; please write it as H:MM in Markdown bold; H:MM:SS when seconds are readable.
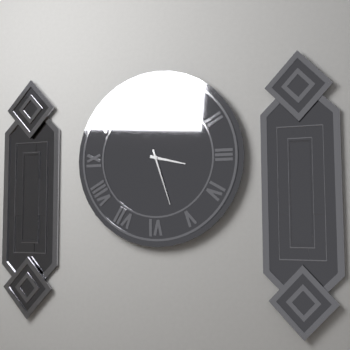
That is **3:27**
